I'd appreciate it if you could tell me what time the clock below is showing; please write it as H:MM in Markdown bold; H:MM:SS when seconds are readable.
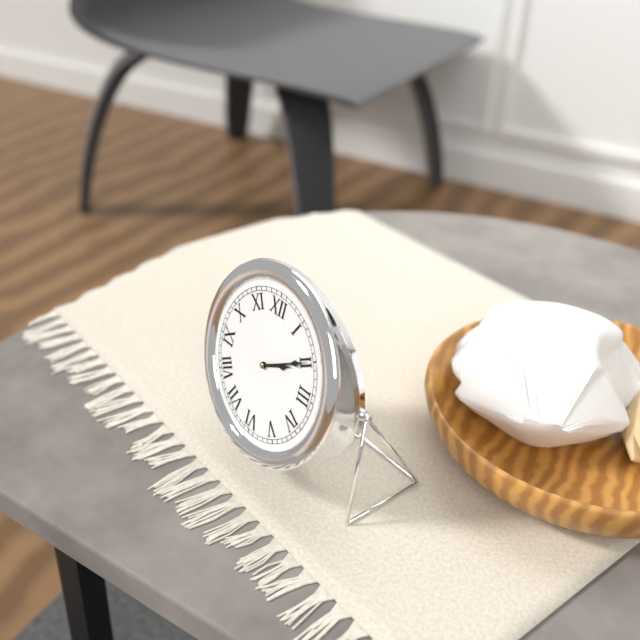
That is **2:10**
